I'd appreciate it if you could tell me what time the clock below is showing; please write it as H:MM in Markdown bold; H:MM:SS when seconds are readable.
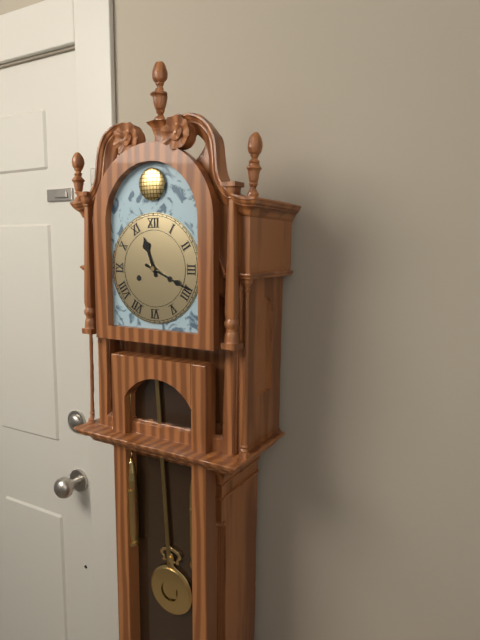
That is **11:19**
